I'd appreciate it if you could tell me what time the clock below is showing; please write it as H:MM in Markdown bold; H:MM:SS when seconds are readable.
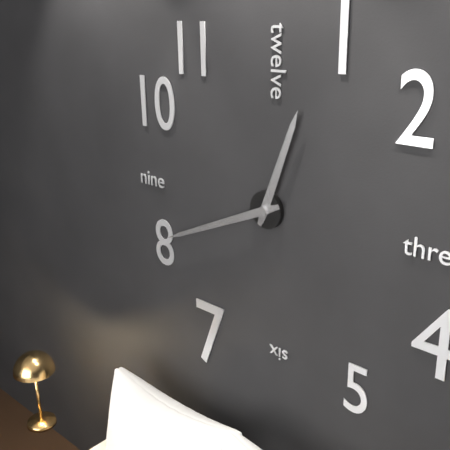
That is **12:41**
